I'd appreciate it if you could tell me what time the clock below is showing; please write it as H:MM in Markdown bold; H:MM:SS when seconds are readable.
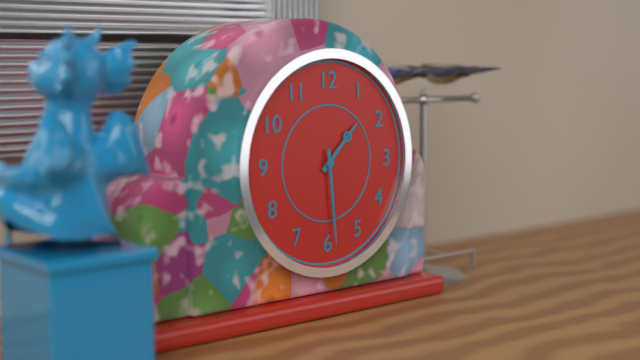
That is **1:29**
